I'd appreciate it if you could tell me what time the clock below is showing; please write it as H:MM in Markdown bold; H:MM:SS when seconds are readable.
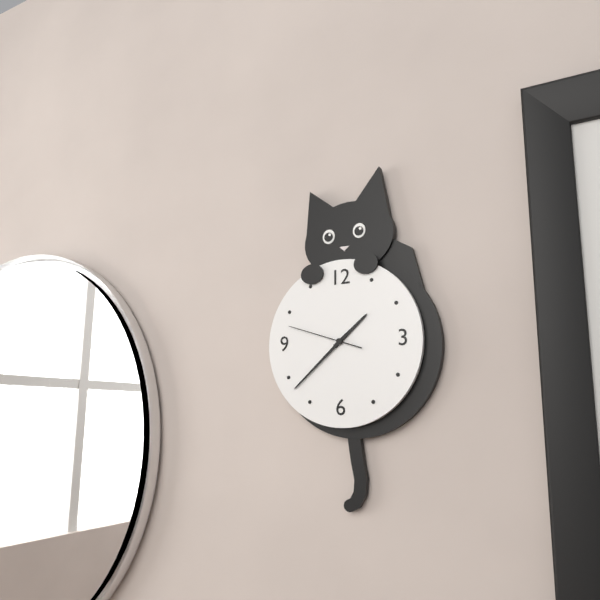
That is **1:38:48**
